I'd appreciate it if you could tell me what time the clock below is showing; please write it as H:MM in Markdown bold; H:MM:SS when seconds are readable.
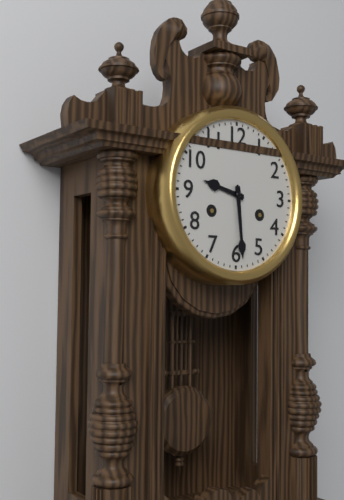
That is **9:29**
